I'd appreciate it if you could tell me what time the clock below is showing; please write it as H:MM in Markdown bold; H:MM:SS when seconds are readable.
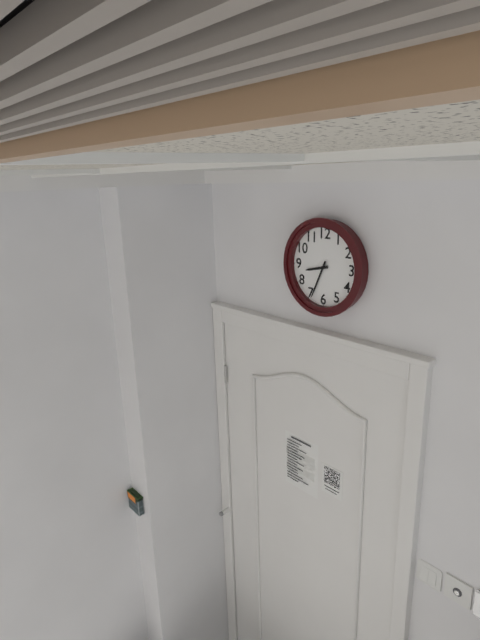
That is **8:34**
